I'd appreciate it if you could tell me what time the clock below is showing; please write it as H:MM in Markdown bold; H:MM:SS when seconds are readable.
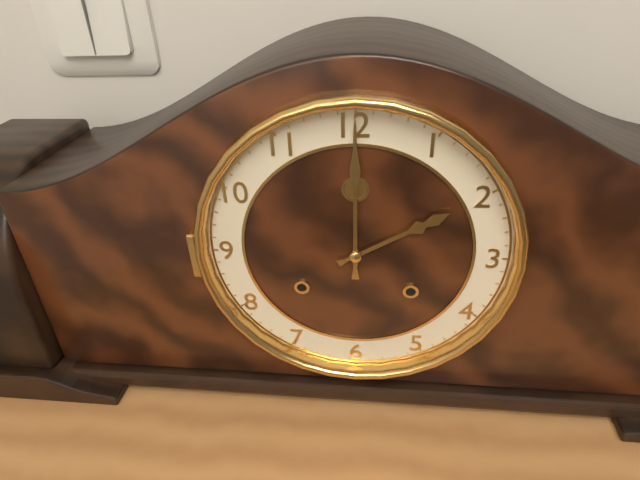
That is **2:00**
